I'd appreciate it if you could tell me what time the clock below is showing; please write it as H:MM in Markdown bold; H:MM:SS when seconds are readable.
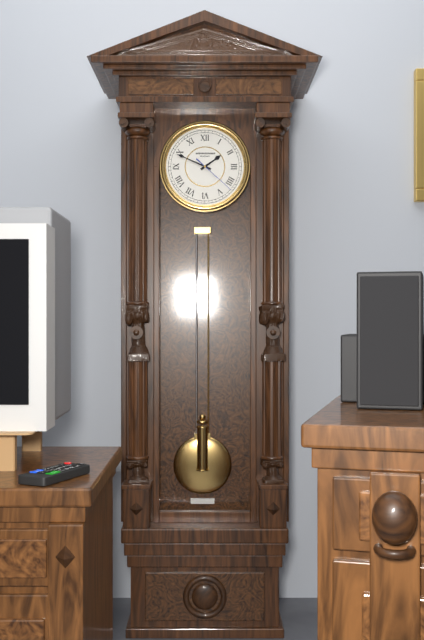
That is **1:49**
